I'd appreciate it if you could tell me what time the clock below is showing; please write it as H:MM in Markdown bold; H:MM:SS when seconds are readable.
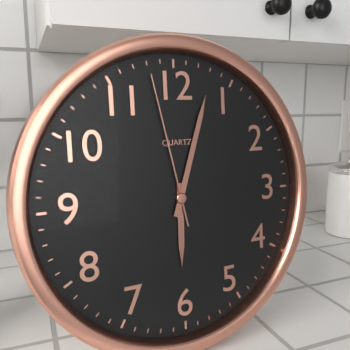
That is **6:03:58**
